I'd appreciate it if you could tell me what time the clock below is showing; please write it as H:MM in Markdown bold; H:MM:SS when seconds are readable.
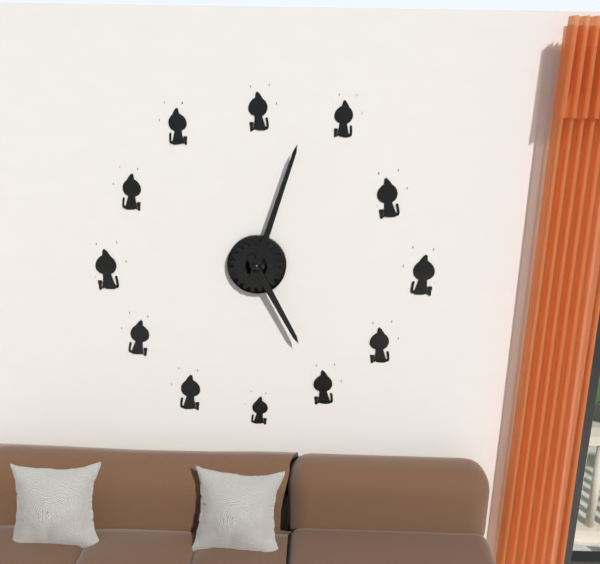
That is **5:03**
